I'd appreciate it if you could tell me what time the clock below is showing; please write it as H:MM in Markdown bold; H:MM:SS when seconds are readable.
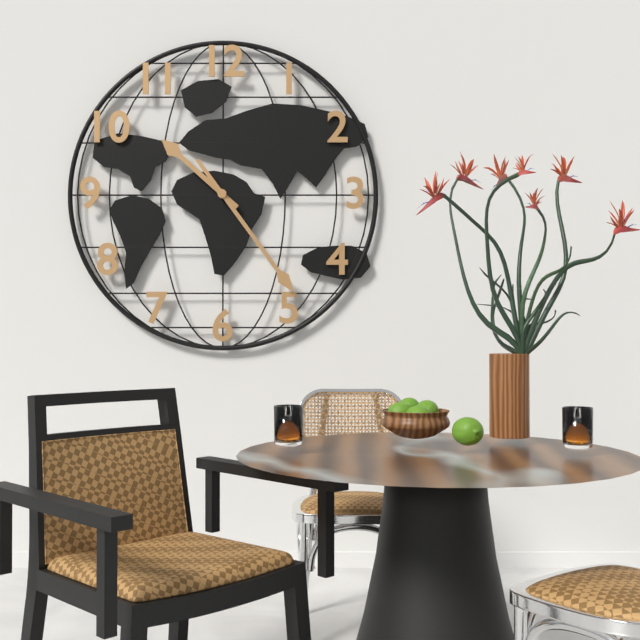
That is **10:24**
